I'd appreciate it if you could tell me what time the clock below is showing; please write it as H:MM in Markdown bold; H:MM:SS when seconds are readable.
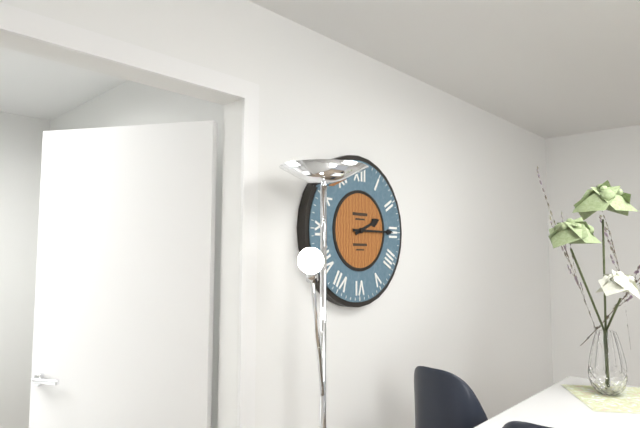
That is **2:15**
